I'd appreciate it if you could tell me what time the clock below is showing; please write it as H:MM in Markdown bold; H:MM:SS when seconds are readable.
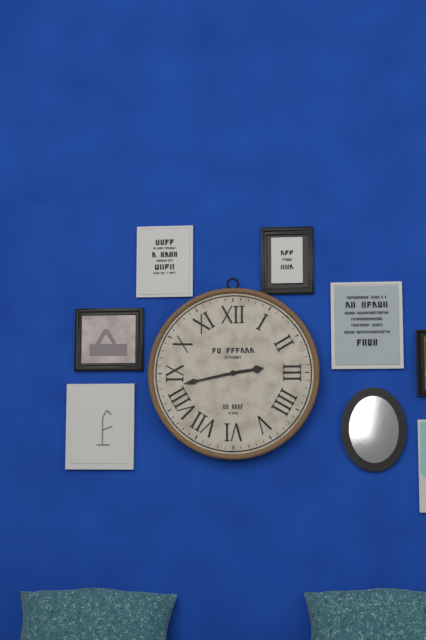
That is **2:43**
